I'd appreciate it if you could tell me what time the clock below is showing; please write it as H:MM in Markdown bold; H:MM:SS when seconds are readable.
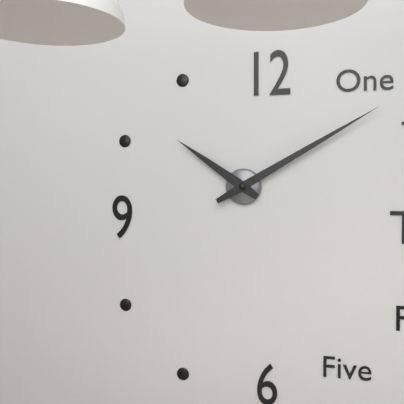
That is **10:10**
